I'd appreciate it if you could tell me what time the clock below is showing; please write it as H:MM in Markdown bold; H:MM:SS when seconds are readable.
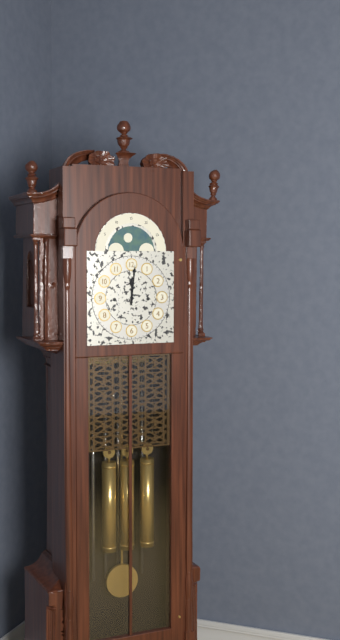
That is **12:01**
